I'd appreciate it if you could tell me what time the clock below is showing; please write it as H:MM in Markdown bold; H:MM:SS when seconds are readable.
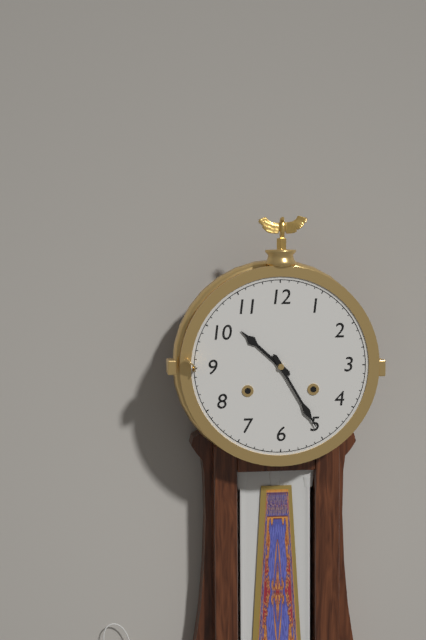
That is **10:25**
